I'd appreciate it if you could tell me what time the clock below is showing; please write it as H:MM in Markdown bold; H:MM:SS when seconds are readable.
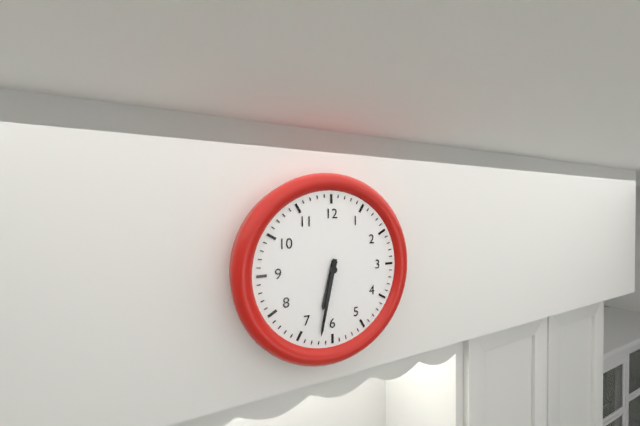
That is **6:32**
